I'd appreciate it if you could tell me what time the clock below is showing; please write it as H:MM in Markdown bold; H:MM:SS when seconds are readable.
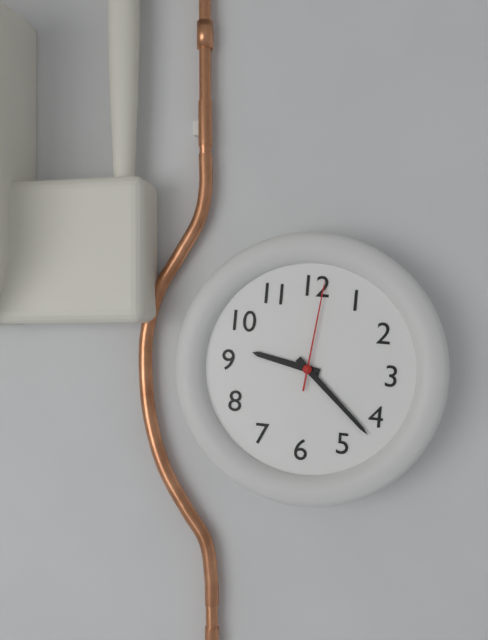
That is **9:22:01**
